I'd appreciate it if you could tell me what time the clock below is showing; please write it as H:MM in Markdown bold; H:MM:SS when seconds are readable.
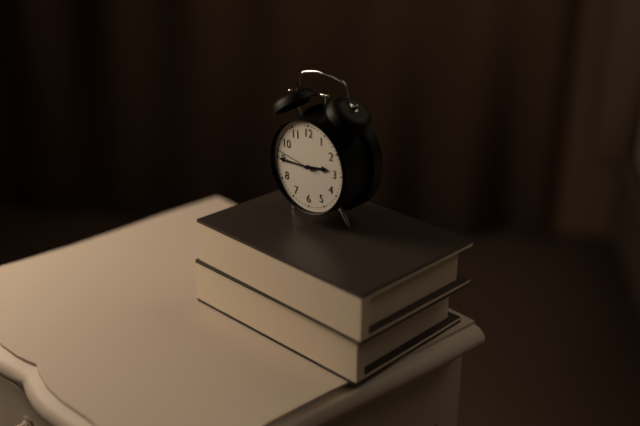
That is **2:45:47**
